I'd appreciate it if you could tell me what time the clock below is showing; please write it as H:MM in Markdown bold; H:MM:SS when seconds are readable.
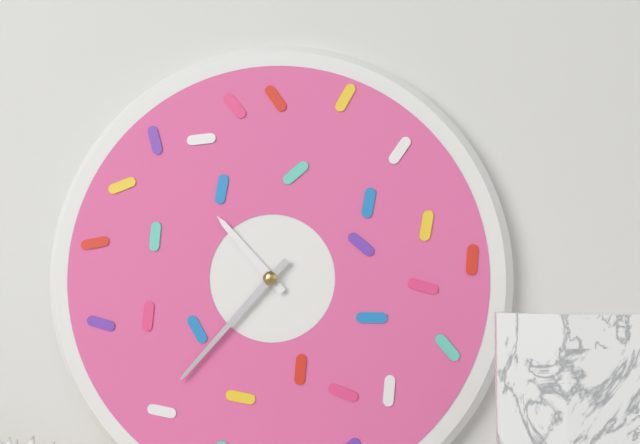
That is **10:37**
